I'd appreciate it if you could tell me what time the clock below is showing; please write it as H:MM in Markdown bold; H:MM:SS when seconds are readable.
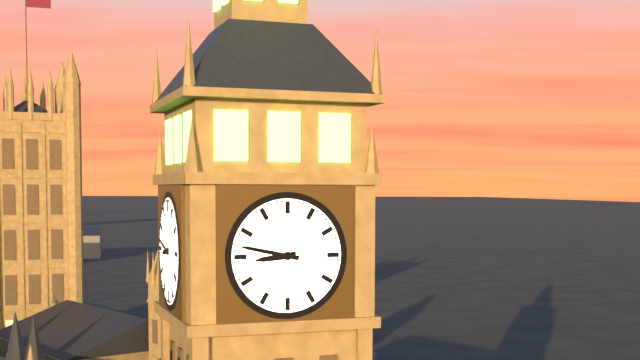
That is **8:47**
